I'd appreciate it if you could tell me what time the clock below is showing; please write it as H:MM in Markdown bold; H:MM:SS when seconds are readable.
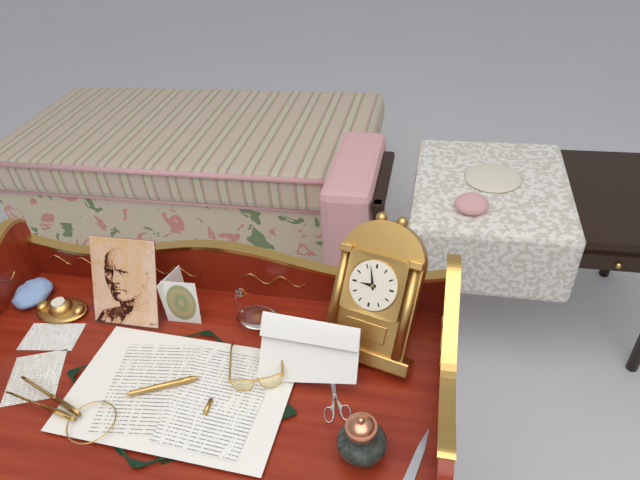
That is **8:57**
